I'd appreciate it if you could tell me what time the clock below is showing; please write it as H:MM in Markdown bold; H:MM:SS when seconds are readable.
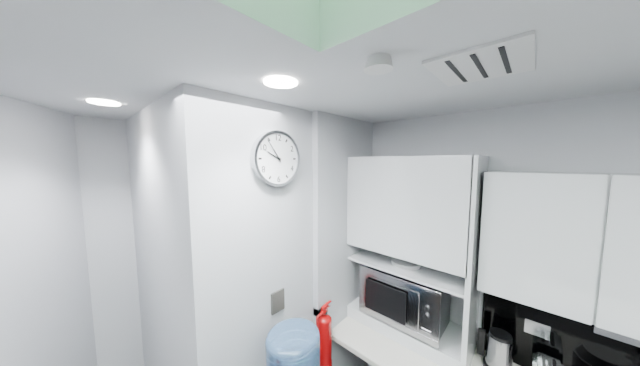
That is **9:54**
